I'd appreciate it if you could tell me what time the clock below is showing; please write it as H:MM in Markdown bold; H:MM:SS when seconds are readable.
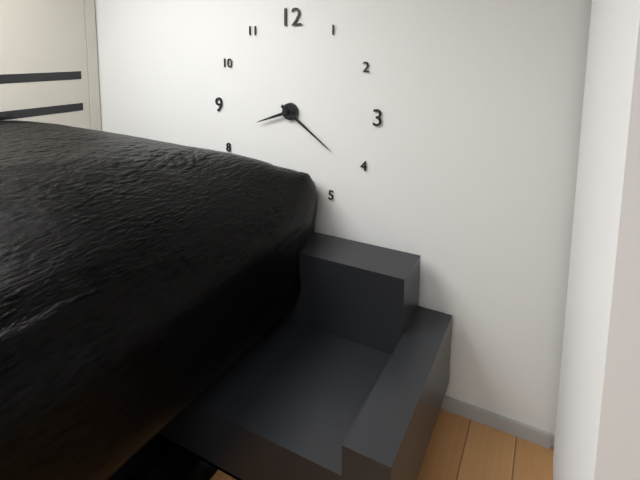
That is **8:21**
